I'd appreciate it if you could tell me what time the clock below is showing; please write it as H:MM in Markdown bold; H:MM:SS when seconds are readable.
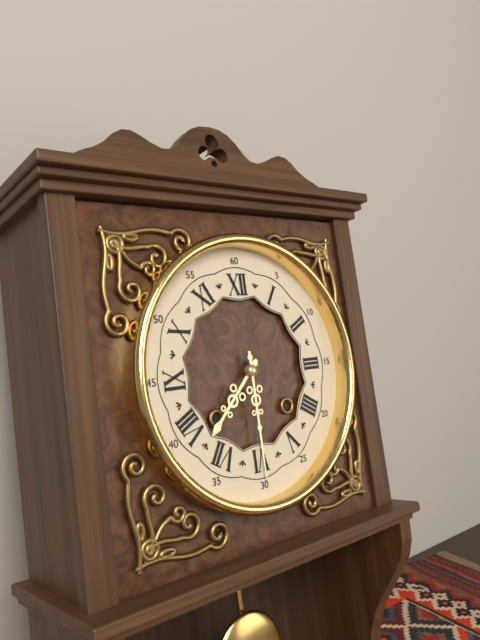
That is **7:30**
